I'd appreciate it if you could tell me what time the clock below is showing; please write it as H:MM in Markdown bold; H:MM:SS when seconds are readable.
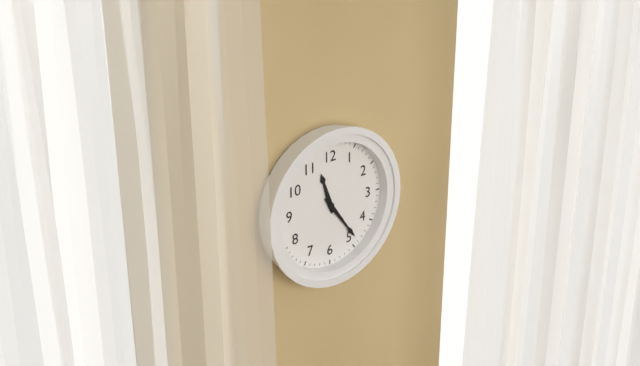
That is **11:24**
